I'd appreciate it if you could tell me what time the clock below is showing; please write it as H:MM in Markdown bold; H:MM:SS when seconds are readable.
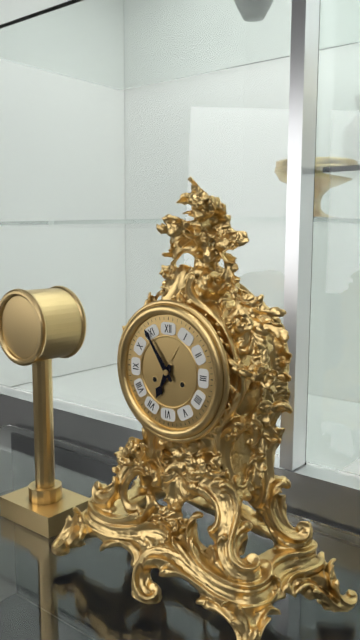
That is **6:54**
